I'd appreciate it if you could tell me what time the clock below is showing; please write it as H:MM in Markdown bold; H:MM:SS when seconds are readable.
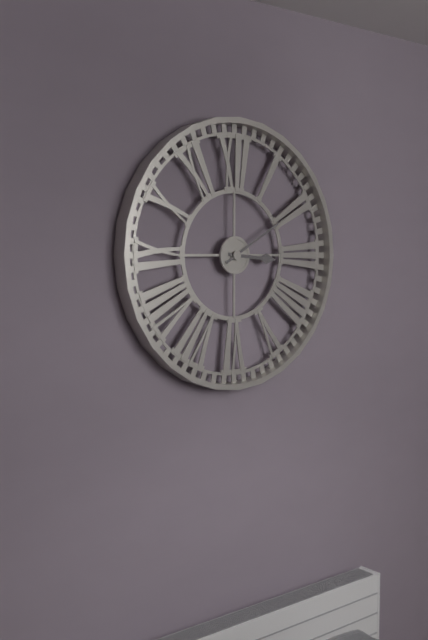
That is **3:10**
